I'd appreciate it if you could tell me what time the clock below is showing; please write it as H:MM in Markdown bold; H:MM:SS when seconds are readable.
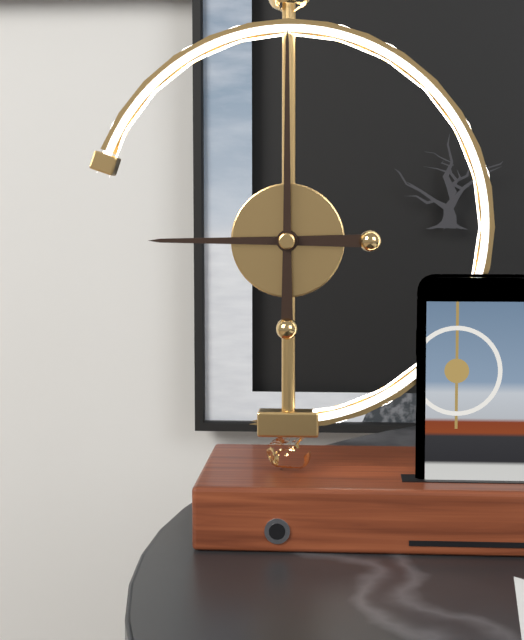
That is **9:00**
